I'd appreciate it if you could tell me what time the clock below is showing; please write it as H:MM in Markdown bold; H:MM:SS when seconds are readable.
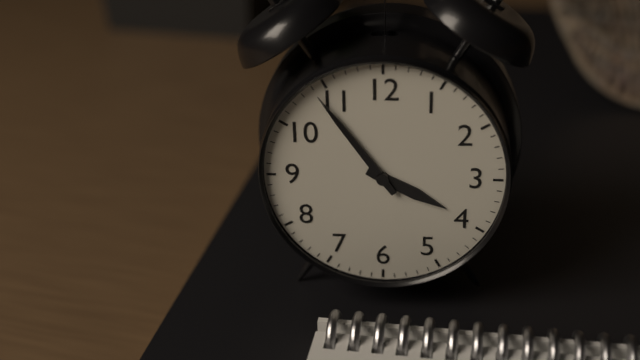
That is **3:54**
